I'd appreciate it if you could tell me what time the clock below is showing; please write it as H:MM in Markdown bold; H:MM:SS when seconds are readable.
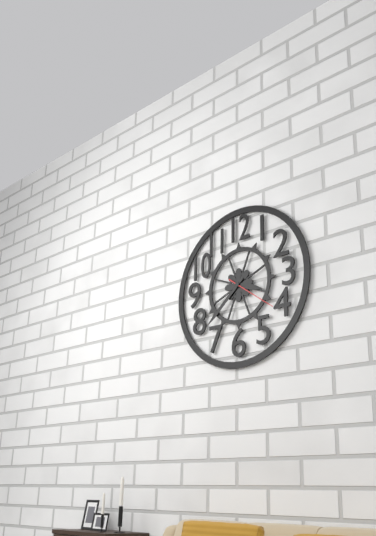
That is **3:38**
